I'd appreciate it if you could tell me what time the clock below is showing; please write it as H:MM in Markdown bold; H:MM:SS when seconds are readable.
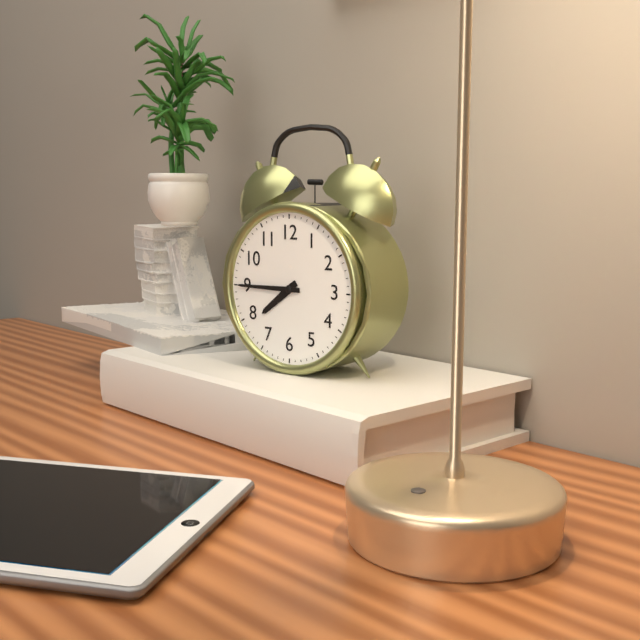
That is **7:45**
